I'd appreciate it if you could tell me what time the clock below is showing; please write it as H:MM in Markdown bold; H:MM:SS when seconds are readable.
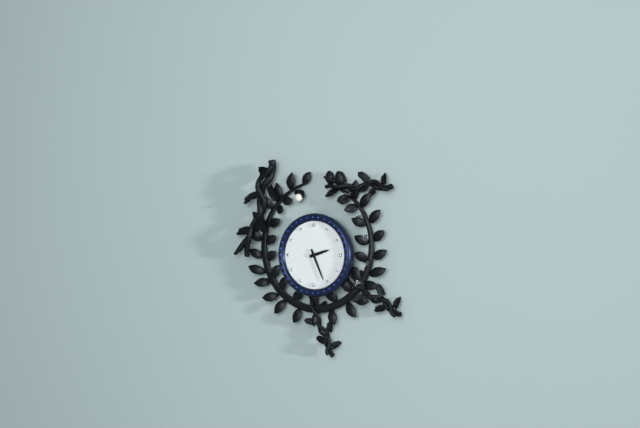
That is **2:26**
